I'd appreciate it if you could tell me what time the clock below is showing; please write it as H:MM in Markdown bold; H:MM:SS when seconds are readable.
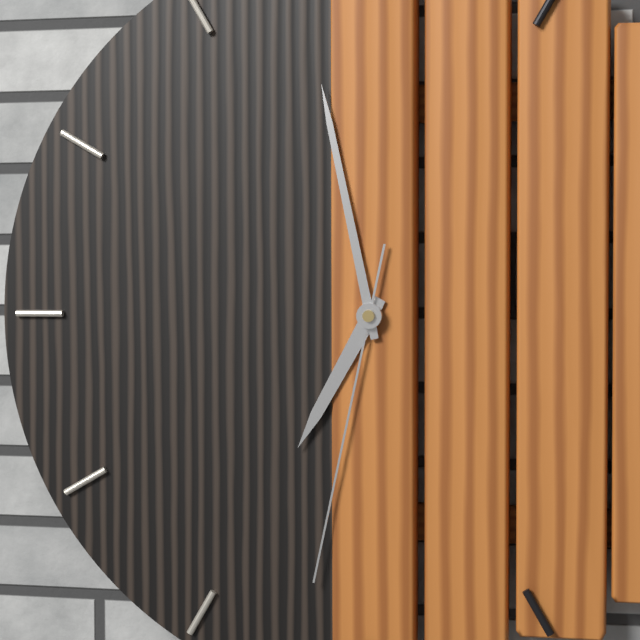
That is **6:58:32**
